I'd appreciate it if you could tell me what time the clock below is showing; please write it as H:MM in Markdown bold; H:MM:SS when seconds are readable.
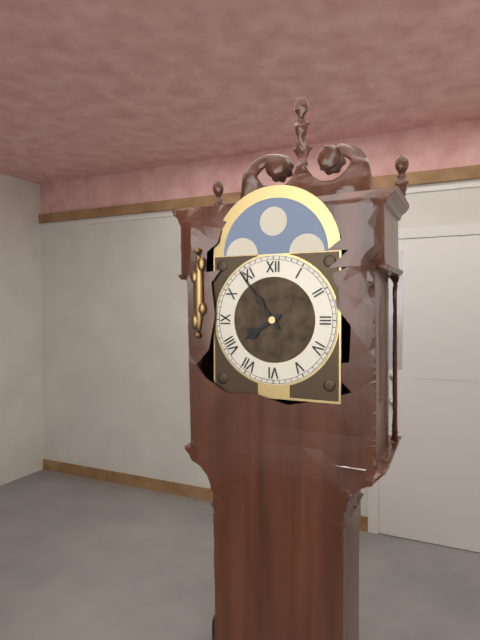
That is **7:54**
